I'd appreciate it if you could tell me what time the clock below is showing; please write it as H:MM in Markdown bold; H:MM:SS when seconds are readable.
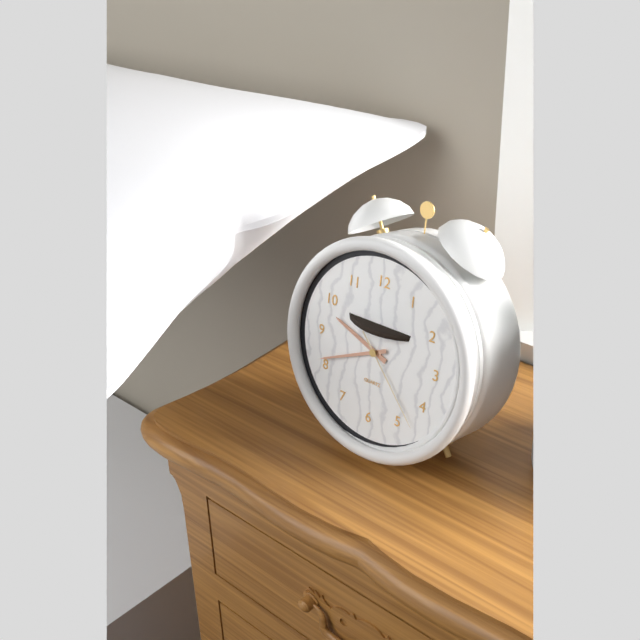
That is **9:41:23**
